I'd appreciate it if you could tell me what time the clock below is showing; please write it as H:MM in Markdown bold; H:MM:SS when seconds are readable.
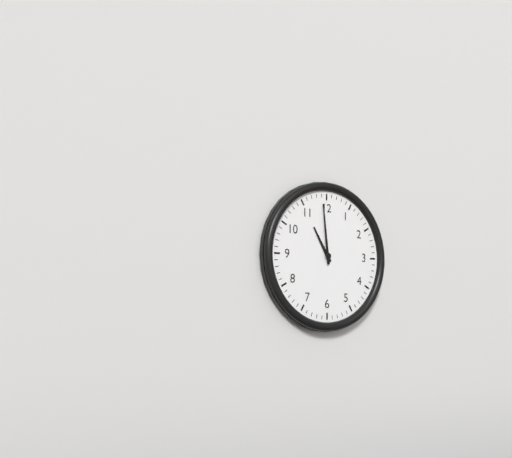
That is **10:59**
